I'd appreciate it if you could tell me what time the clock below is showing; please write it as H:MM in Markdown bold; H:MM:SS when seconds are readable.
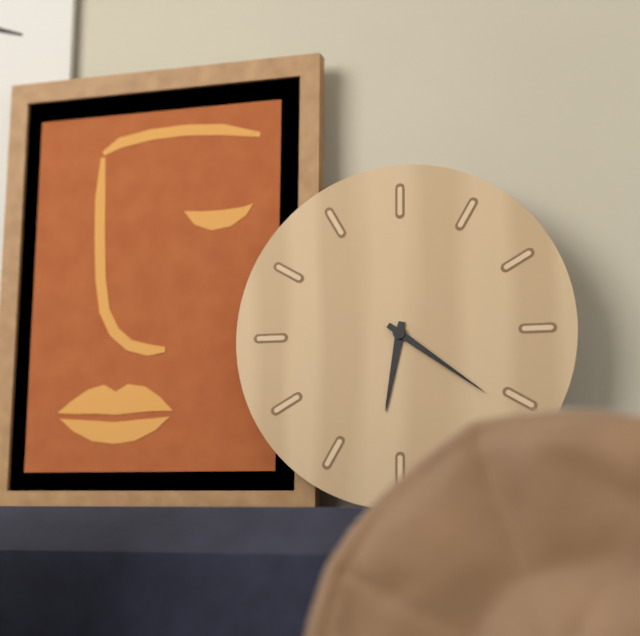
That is **6:21**
